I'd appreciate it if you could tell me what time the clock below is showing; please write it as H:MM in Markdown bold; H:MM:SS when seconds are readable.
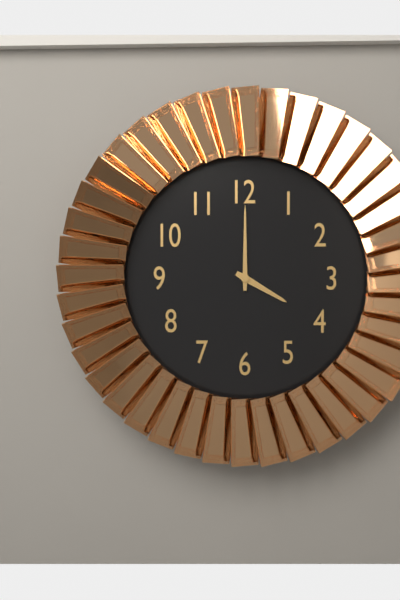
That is **4:00**
